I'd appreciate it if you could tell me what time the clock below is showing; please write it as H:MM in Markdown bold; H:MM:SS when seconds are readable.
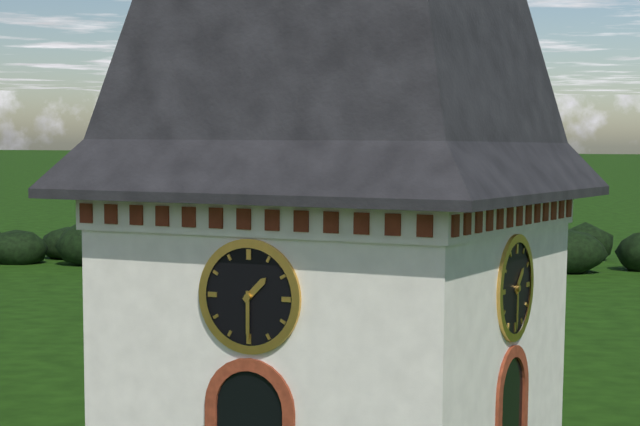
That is **1:30**
